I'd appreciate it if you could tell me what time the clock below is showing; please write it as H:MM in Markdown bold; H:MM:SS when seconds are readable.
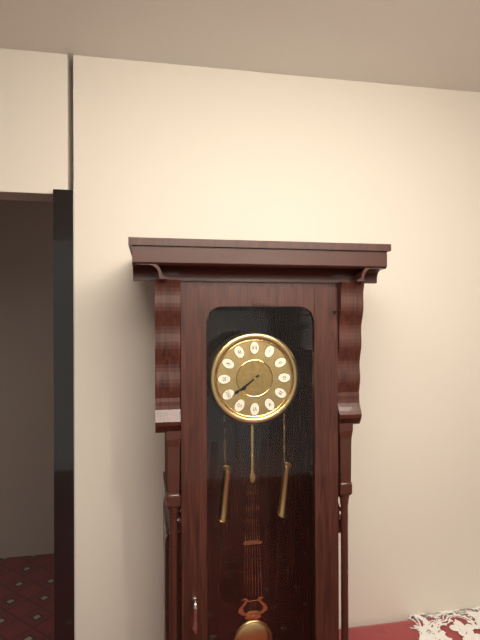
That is **7:39**
